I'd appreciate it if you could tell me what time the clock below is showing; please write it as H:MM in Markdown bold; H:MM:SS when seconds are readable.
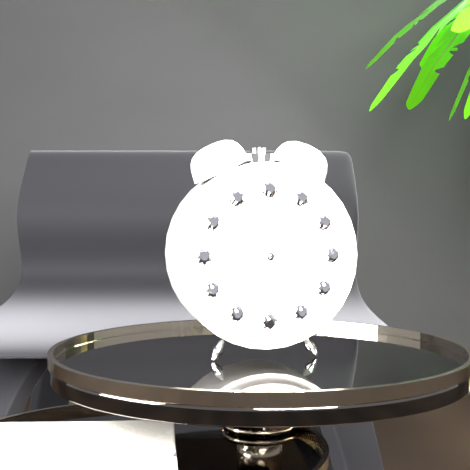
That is **11:46:42**
